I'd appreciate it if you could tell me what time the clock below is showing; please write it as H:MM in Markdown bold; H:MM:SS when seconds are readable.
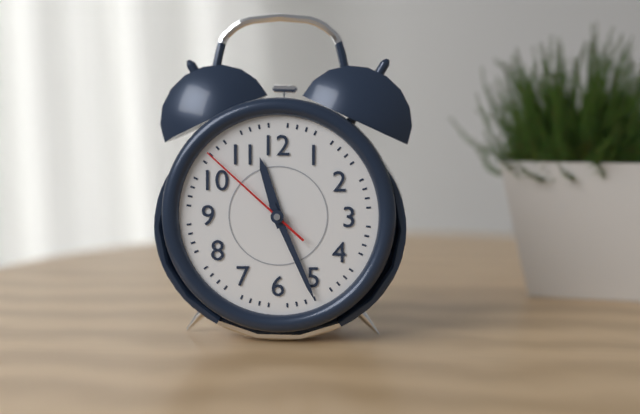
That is **11:26:52**
